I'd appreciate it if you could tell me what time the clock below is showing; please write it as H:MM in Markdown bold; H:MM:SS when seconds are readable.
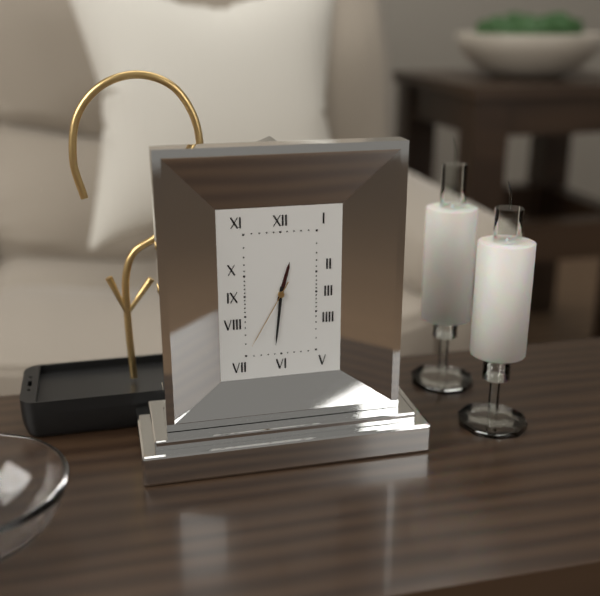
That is **12:31:35**
